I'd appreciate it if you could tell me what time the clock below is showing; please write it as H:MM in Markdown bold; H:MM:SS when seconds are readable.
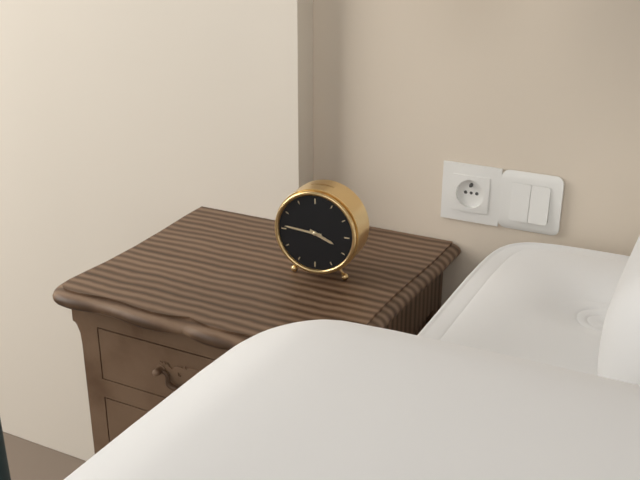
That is **3:46**
